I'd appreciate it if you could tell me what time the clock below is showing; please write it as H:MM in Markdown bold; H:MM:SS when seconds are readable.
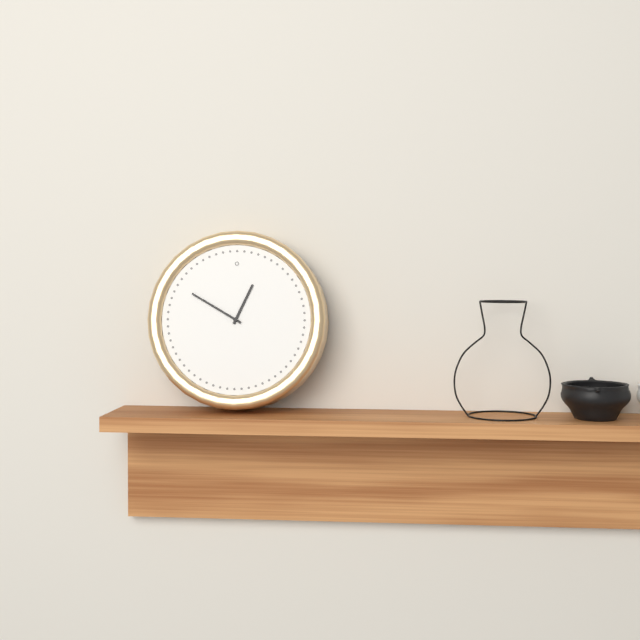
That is **12:50**
